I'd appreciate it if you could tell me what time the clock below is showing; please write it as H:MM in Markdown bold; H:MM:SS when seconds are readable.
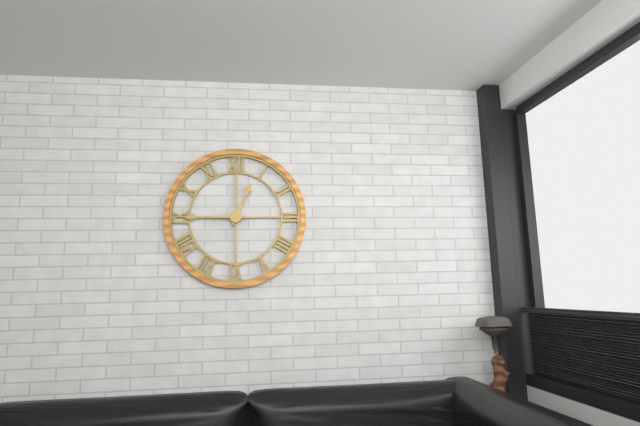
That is **12:45**
